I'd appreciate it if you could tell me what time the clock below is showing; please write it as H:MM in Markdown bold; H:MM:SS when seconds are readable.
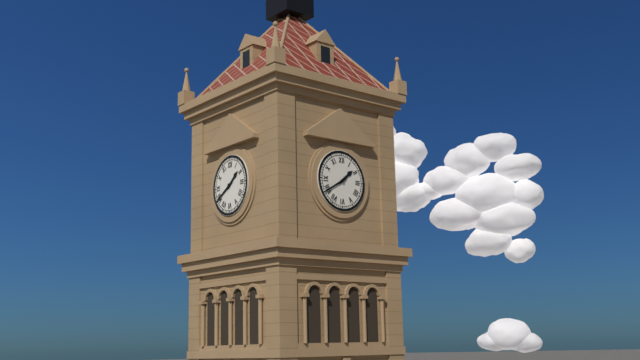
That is **1:40**
